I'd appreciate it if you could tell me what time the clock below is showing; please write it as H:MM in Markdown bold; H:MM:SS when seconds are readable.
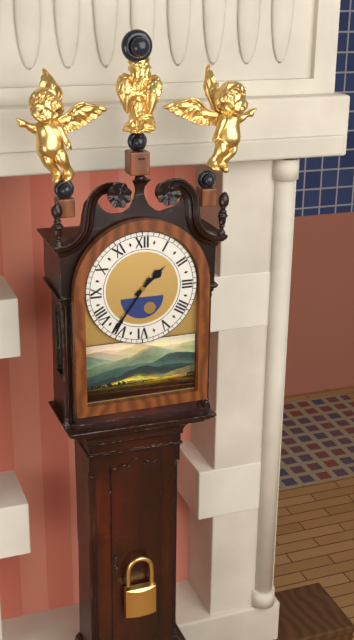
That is **1:36**
